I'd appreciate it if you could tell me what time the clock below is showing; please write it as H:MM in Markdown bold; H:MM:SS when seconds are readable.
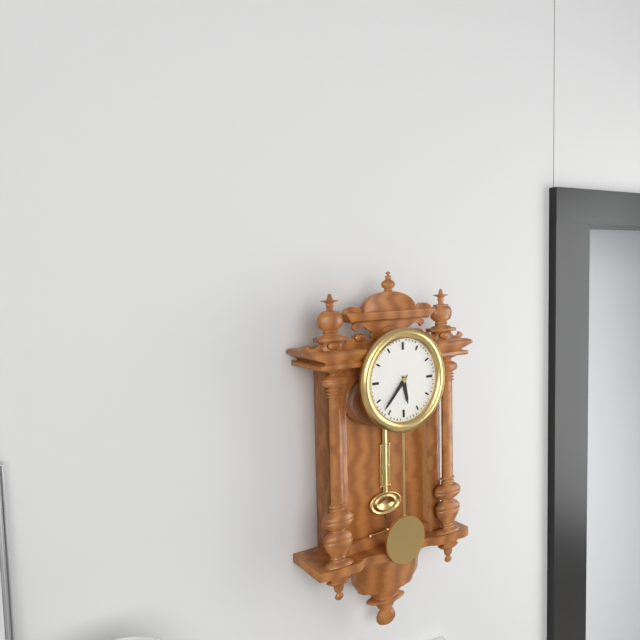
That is **5:37**
